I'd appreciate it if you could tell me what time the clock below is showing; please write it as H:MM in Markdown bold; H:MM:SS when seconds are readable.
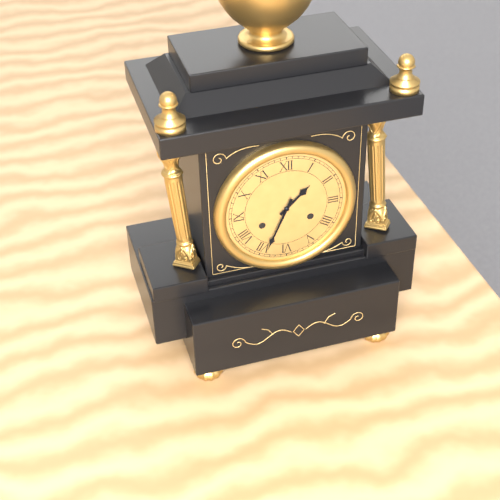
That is **1:34**
